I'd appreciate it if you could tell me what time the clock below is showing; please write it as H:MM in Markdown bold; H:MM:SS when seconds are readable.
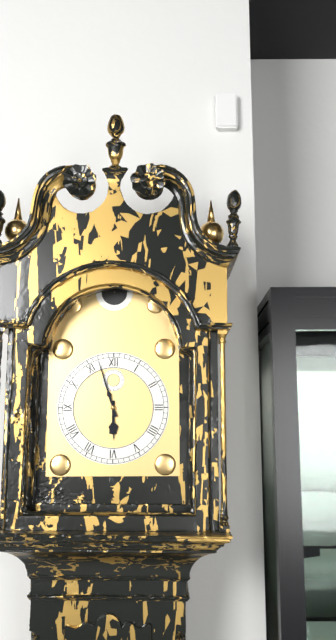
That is **5:57**
